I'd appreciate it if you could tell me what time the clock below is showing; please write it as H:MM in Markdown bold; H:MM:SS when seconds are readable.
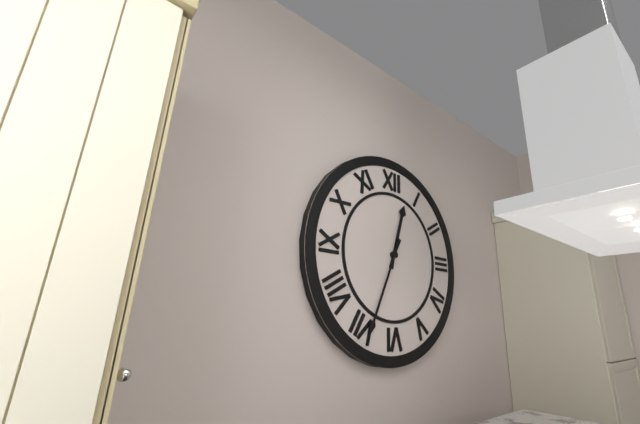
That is **12:34**
